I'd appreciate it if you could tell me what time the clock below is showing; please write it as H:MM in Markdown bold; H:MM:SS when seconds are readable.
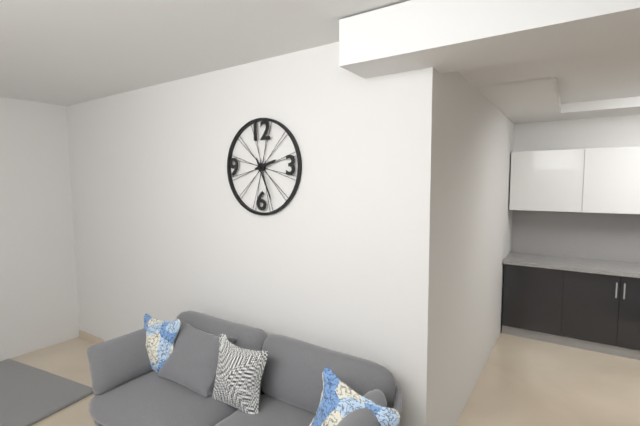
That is **2:26**
